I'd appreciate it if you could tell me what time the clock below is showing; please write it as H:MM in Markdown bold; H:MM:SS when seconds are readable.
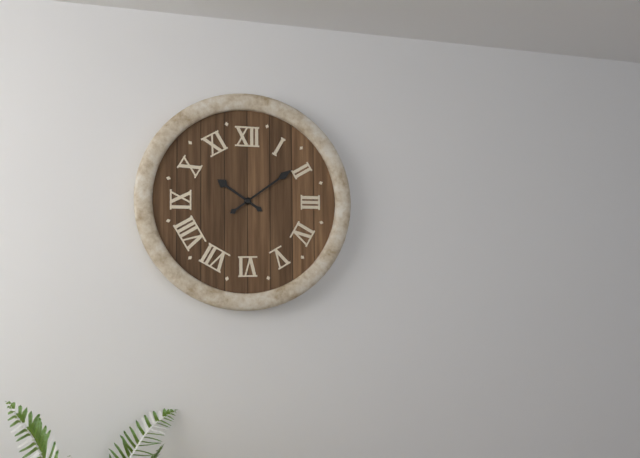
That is **10:09**
